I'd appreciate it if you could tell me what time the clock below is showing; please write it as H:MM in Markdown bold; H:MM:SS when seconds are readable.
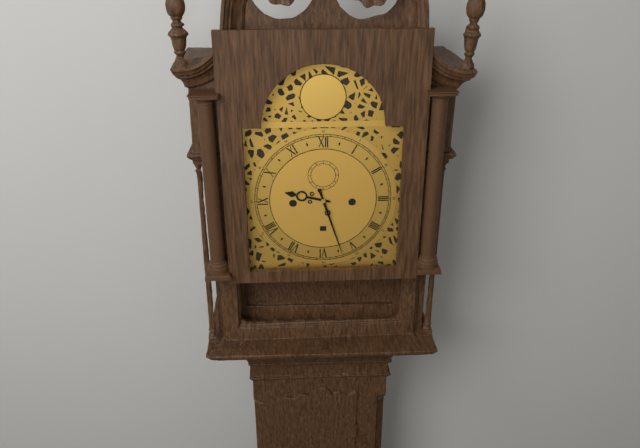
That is **9:27**
